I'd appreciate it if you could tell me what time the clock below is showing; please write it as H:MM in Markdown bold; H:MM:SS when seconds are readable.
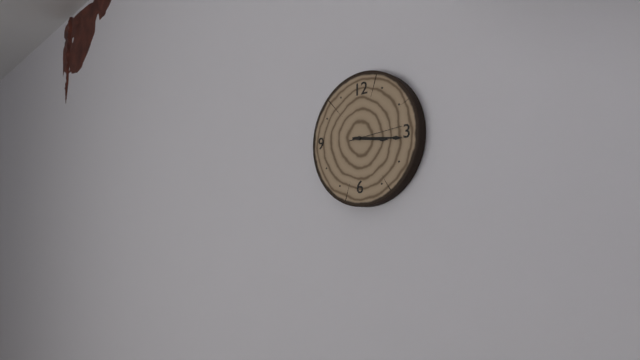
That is **3:16:14**
